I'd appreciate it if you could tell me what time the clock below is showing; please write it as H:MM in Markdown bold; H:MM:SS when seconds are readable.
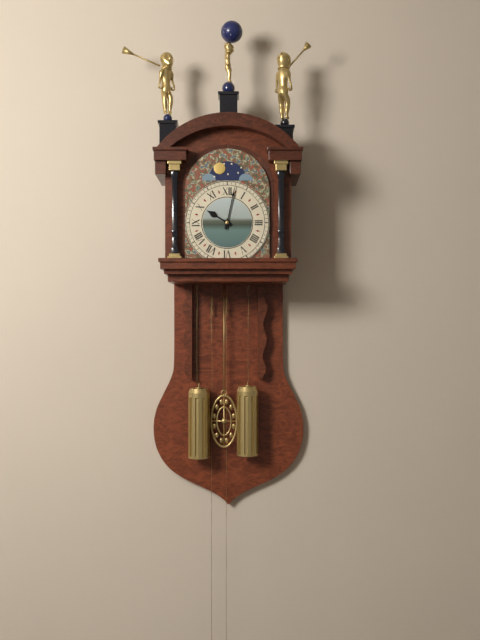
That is **10:02**
